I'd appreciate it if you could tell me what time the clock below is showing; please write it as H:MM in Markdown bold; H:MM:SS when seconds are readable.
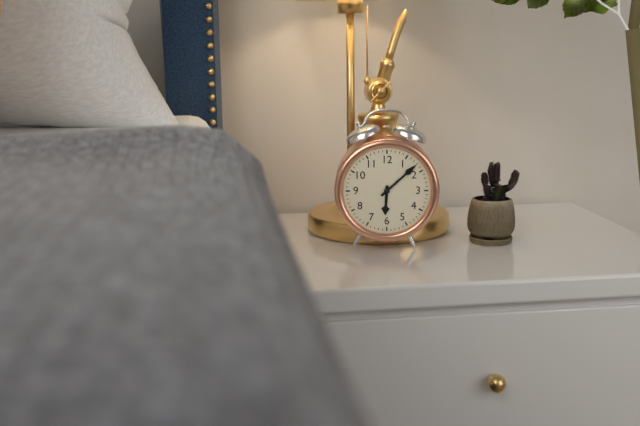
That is **6:08**
